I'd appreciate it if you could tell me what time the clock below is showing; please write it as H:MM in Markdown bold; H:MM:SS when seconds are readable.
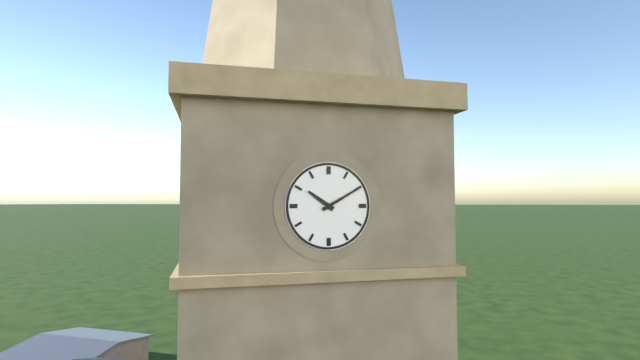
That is **10:10**
